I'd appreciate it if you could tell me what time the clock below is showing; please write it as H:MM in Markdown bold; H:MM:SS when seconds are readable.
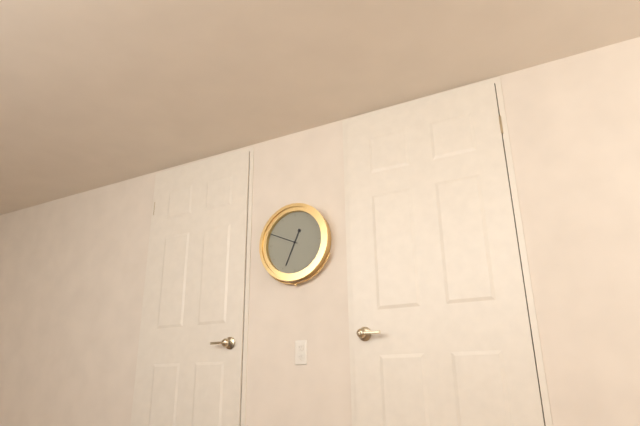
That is **6:49**
